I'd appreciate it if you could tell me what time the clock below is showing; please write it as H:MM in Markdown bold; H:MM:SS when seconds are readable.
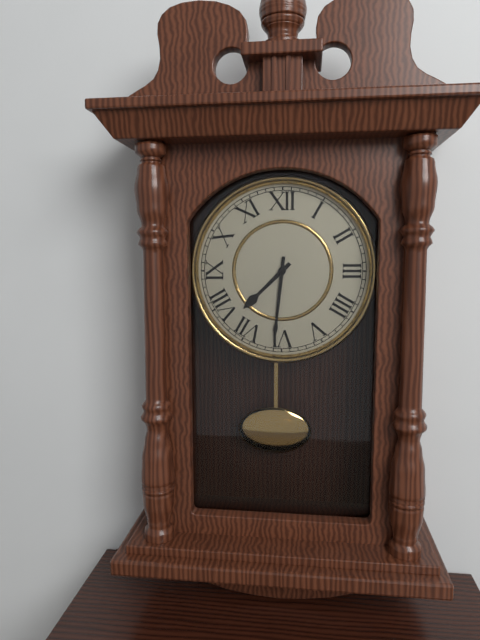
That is **7:31**
